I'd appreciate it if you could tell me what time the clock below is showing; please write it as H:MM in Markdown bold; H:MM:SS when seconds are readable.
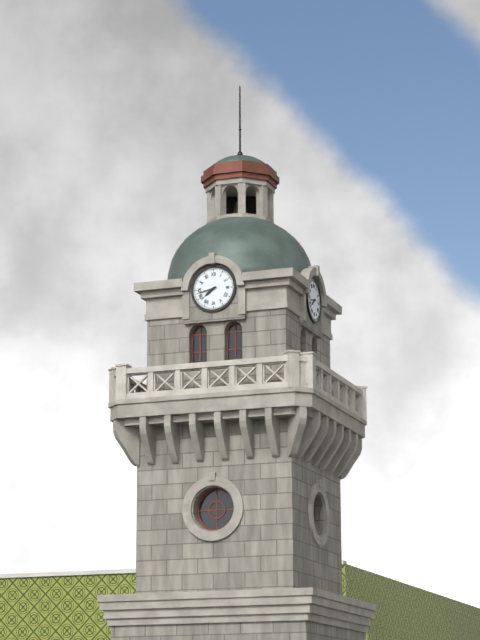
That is **7:43**
